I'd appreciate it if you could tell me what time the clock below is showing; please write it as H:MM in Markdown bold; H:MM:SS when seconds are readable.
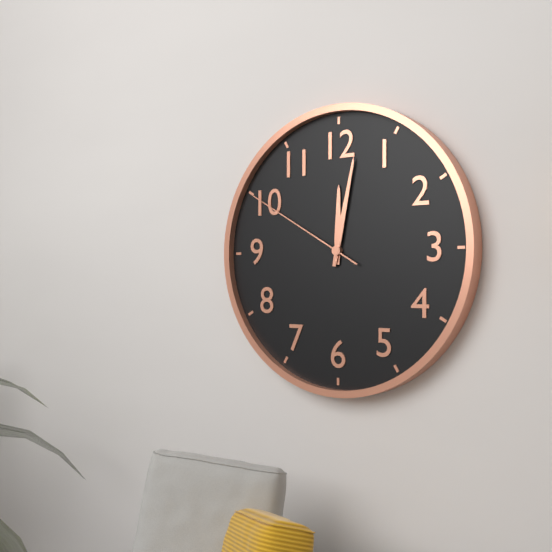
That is **12:02:50**
